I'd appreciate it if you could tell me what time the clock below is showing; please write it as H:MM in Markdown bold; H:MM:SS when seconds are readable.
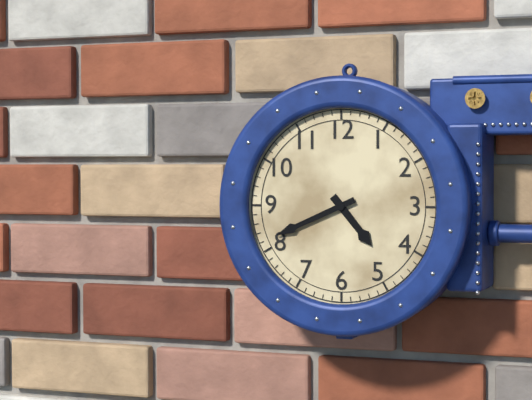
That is **4:41**
